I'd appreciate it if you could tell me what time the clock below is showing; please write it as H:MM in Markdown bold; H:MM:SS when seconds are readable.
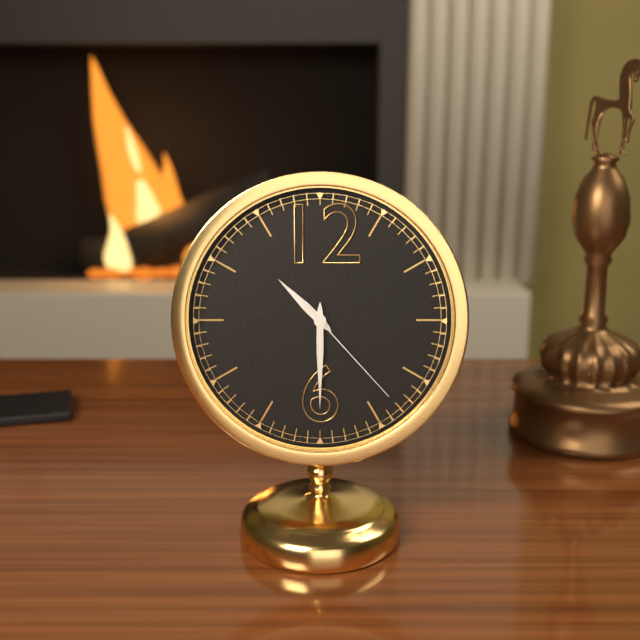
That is **10:30:23**
